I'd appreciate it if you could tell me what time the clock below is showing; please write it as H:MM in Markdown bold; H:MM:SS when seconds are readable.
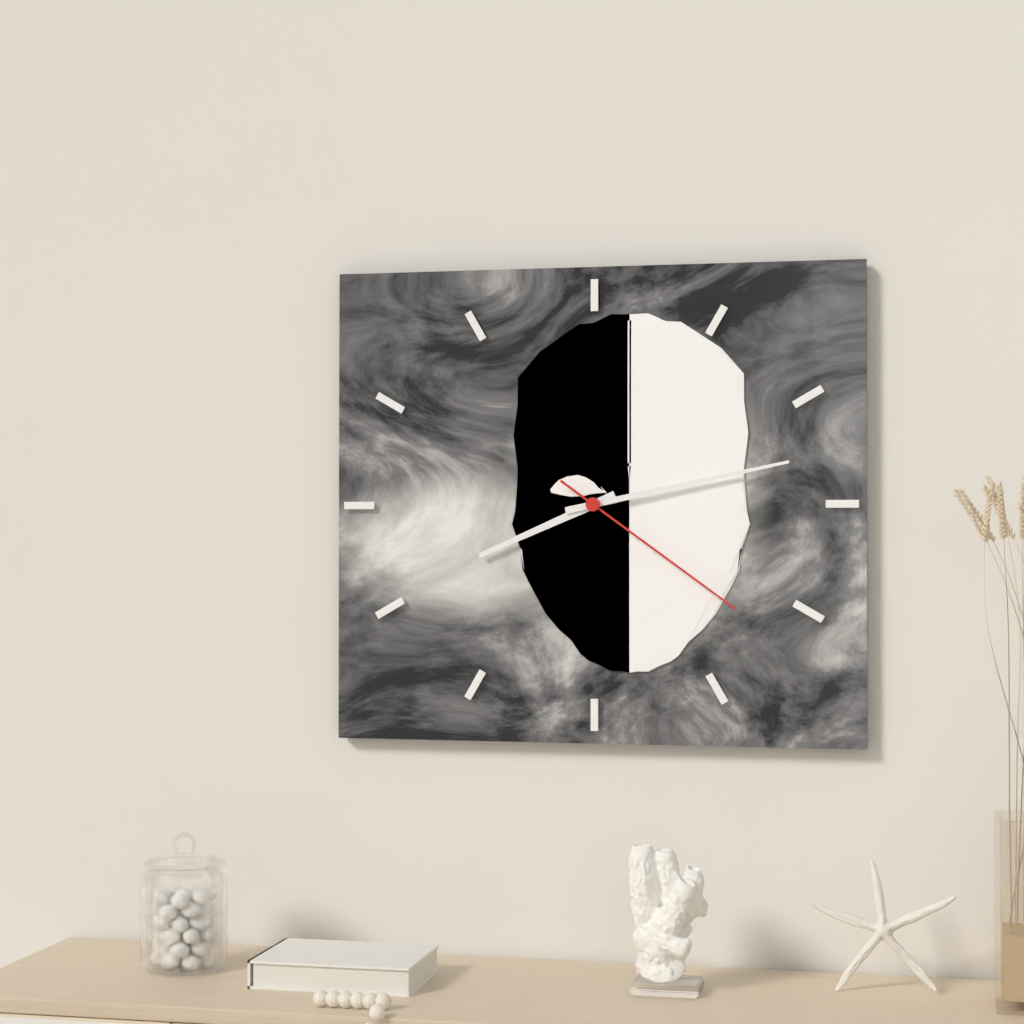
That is **8:13:21**
